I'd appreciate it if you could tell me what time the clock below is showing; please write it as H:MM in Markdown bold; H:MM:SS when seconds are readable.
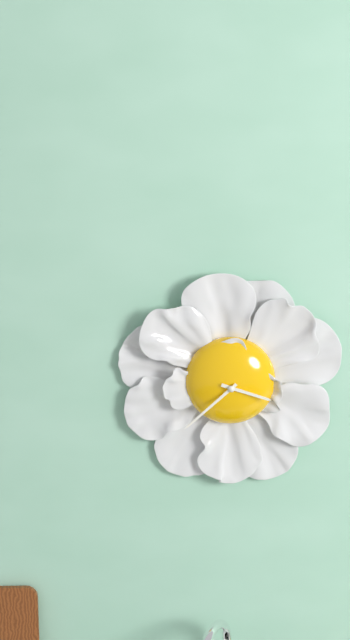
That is **3:38**
